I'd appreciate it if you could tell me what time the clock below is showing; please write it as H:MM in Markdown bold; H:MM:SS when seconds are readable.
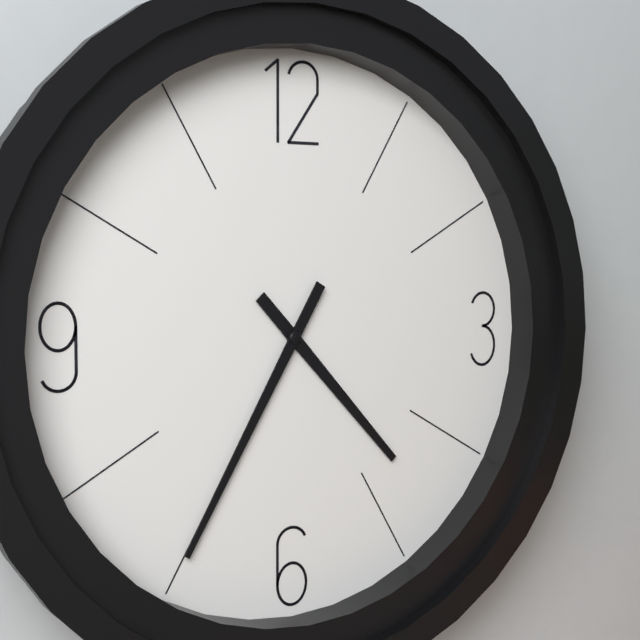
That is **4:35**
